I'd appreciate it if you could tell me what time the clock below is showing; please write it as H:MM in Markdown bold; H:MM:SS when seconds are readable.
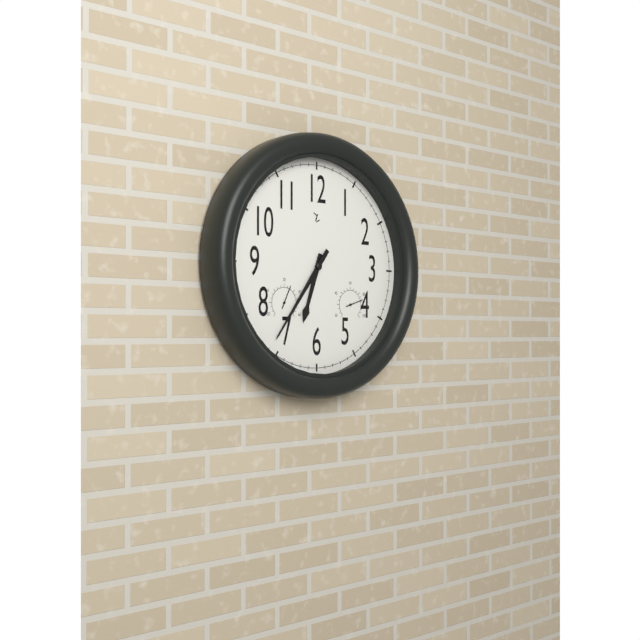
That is **6:36**
